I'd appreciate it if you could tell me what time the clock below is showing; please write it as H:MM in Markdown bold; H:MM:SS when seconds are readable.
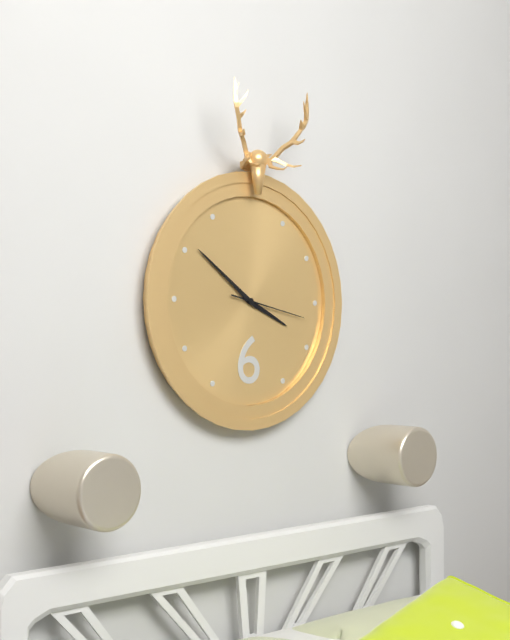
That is **3:51:17**
